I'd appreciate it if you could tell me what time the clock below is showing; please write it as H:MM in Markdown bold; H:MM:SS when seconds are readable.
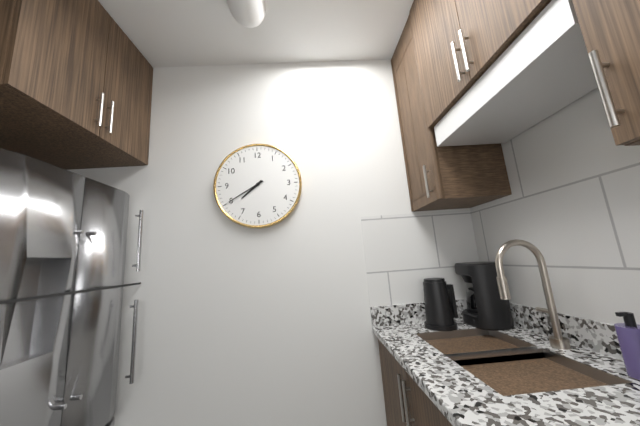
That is **7:40**
